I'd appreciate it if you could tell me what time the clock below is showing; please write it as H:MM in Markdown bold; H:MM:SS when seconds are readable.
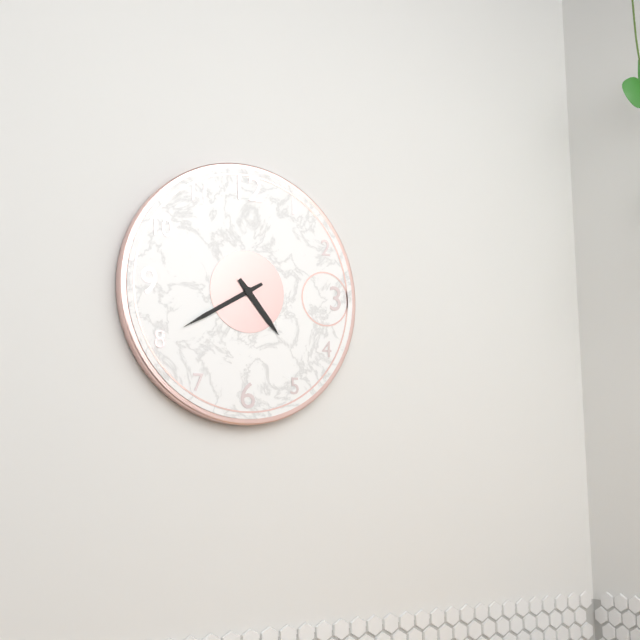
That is **4:40**
